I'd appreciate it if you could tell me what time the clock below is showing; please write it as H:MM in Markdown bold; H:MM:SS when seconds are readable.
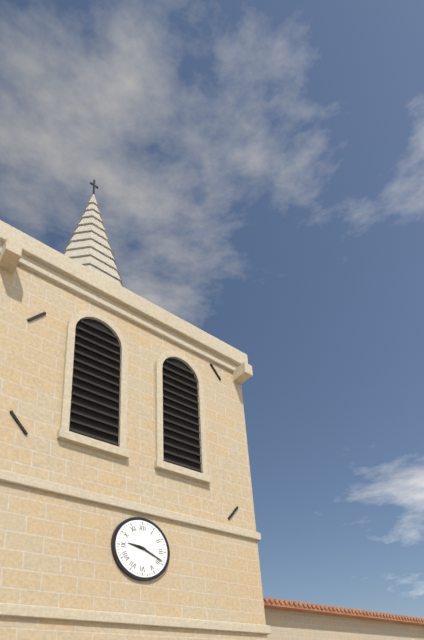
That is **9:19**
